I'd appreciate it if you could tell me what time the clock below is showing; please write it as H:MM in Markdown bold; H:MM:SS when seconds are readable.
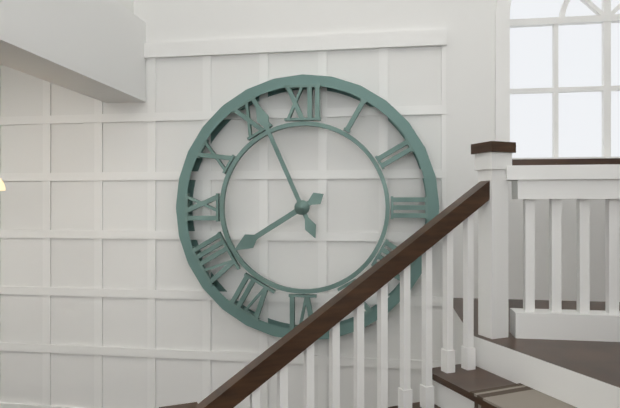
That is **7:56**
